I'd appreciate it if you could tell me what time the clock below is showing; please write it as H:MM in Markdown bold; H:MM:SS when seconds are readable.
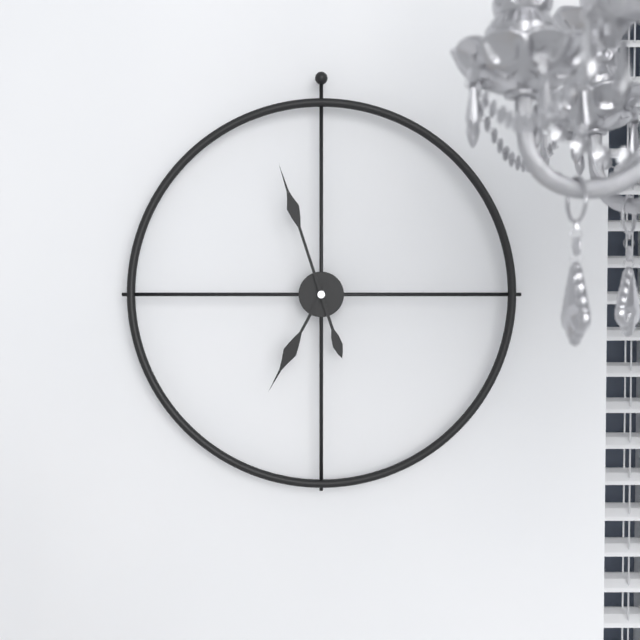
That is **6:57**
